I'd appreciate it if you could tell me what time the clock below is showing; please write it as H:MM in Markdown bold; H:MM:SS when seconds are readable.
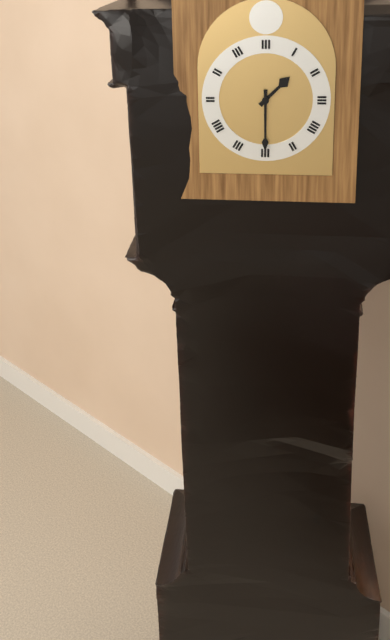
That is **1:30**
